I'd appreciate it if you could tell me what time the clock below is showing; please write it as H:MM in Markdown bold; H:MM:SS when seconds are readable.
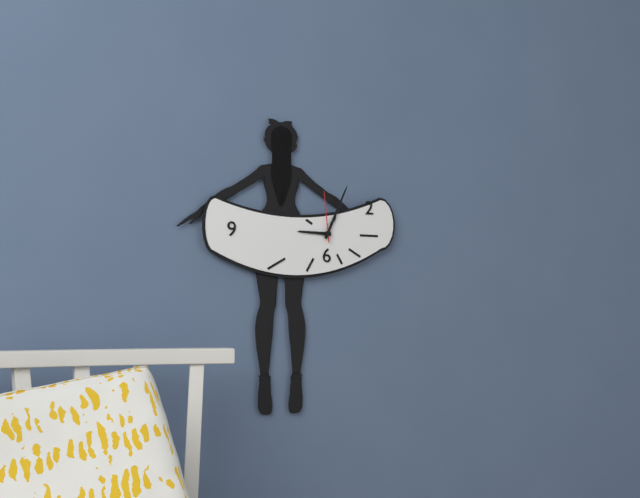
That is **9:04:59**
